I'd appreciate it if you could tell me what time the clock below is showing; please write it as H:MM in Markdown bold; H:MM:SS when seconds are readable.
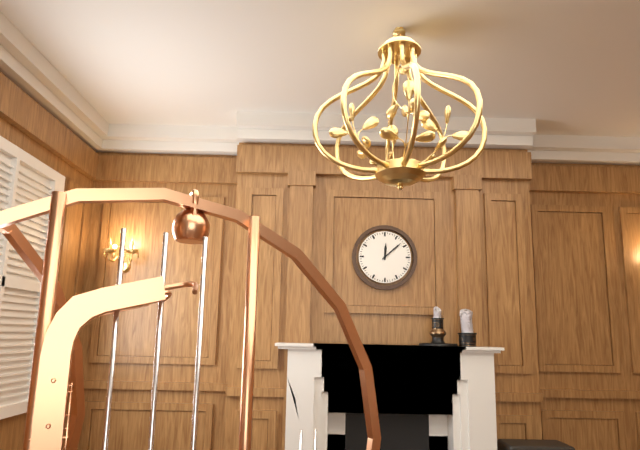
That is **12:08**
